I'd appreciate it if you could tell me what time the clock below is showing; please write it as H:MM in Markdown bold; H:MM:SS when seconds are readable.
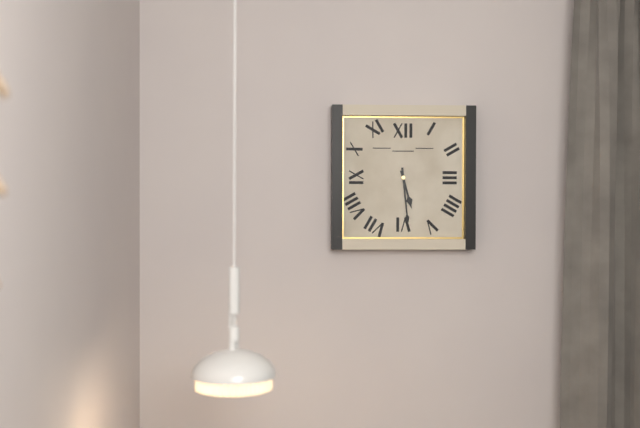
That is **5:29**
